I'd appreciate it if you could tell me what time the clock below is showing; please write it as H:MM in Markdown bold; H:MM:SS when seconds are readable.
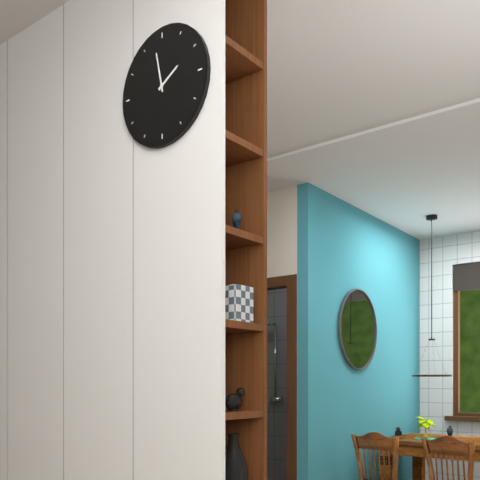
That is **1:58**
